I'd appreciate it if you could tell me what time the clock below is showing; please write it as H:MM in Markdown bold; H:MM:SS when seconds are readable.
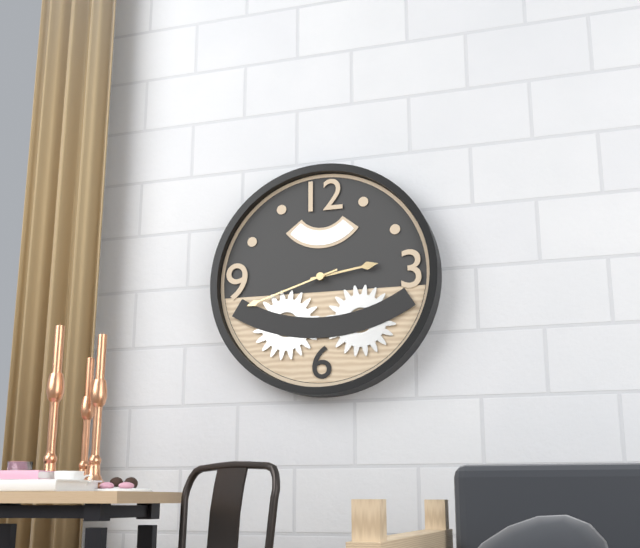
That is **2:42**
